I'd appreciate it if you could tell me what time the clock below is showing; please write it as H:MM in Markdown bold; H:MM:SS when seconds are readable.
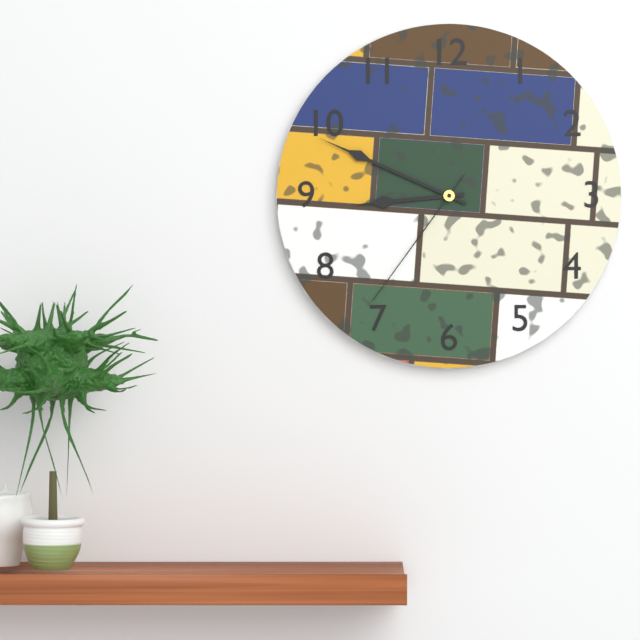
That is **8:49:36**
